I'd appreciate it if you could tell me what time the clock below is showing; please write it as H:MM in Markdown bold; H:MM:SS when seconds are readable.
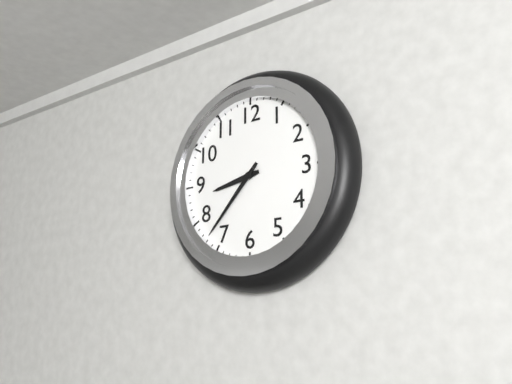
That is **8:37**
